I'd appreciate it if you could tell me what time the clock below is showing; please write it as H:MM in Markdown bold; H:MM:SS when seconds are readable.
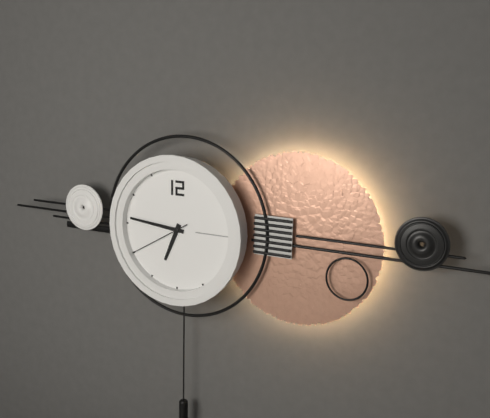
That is **6:46:40**
